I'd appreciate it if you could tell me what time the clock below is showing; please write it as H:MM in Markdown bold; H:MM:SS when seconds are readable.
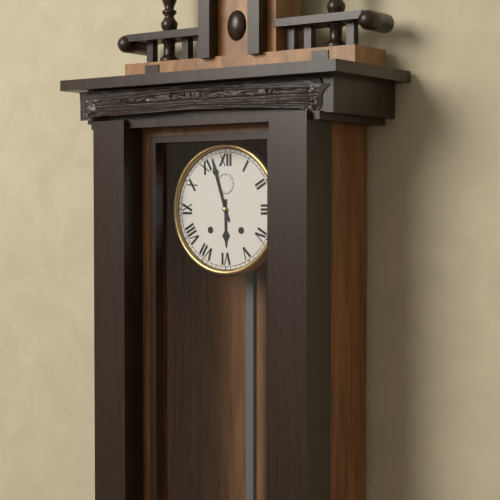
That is **5:57**
